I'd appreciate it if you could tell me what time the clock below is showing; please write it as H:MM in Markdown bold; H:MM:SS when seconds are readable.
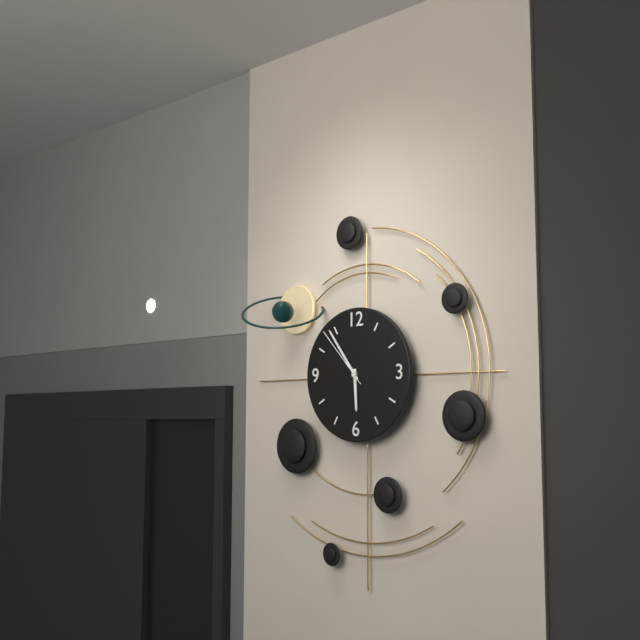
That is **5:54:53**
